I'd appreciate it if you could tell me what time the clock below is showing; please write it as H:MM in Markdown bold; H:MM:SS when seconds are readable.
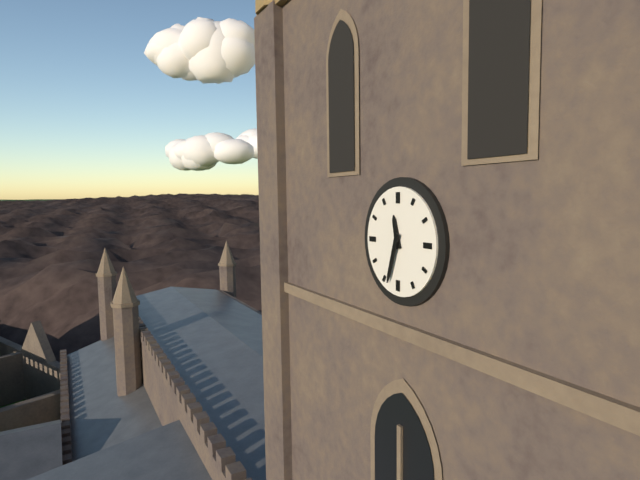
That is **11:33**
